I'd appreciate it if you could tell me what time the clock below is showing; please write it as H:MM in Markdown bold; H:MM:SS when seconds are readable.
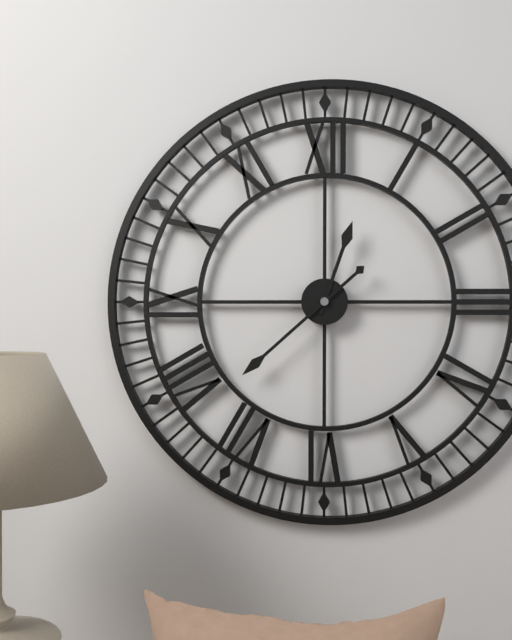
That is **12:38**
